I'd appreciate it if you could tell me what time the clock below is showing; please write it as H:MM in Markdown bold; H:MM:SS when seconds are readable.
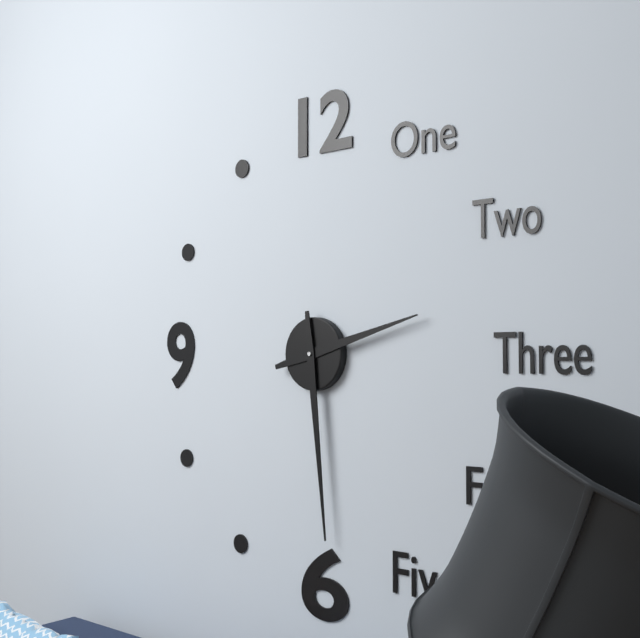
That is **2:29**
